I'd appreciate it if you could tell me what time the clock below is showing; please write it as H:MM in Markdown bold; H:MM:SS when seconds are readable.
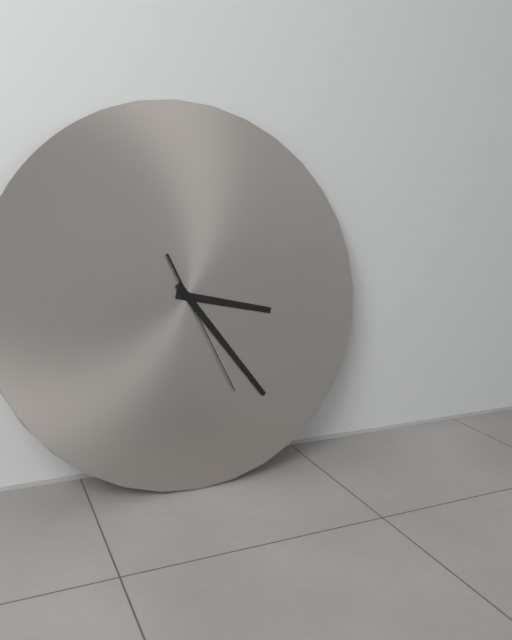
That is **3:24:26**
